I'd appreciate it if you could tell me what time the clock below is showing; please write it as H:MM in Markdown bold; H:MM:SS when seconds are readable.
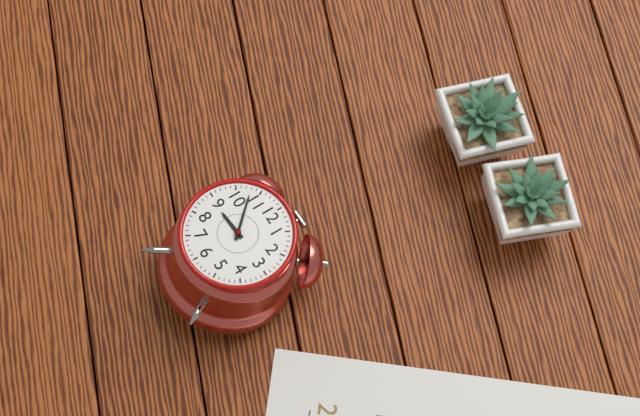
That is **8:53**
